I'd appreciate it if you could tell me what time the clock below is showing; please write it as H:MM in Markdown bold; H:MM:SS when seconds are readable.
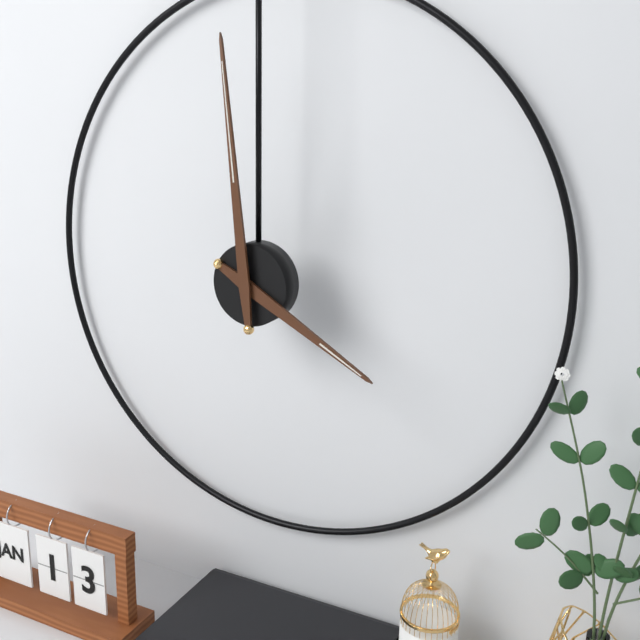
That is **3:59**
